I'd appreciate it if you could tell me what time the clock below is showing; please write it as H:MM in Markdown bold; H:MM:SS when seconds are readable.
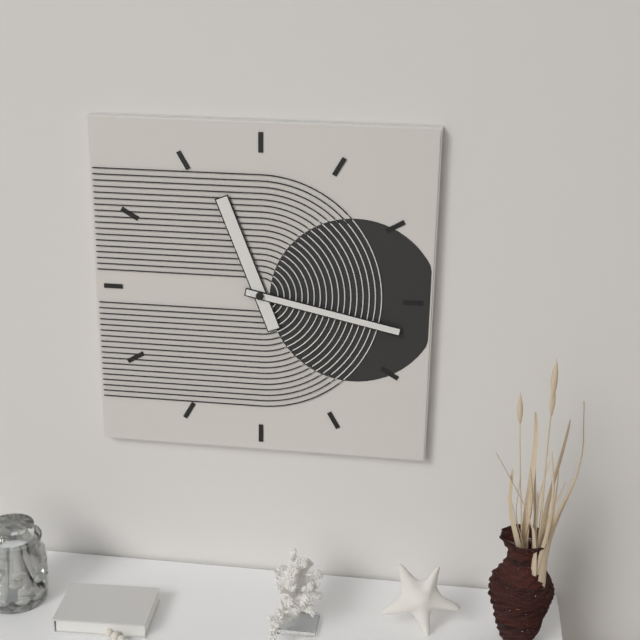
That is **11:17**
